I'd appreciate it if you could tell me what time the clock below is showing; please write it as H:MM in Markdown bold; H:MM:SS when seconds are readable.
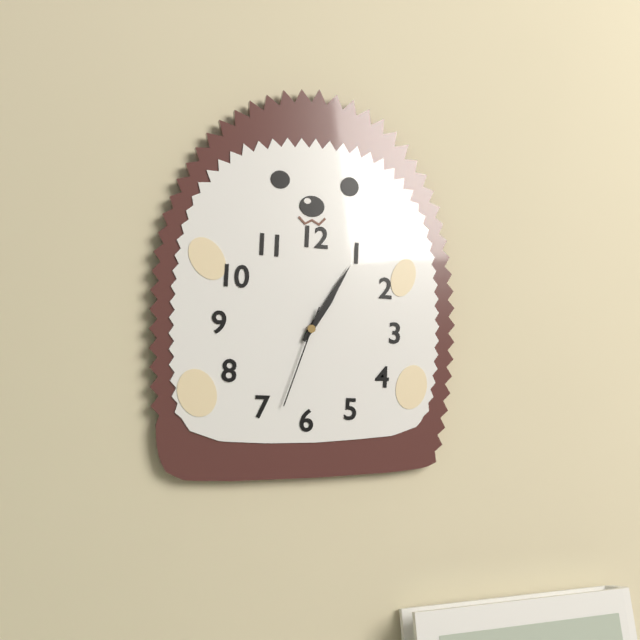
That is **1:05:33**
